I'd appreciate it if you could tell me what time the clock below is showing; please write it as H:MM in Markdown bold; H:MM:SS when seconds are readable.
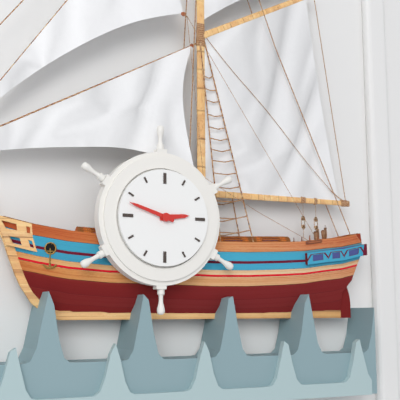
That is **2:48**
